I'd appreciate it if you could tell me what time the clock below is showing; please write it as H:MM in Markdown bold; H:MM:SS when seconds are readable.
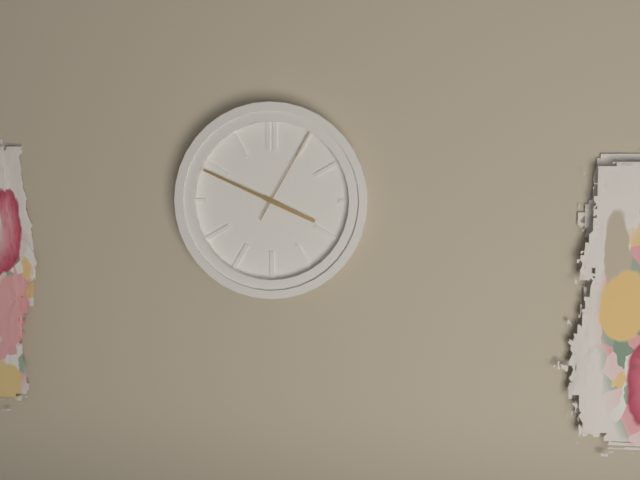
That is **3:49:05**
